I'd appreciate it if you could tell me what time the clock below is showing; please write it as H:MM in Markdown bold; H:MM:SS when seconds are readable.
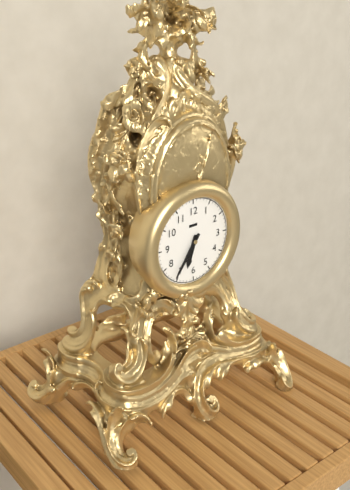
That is **6:36**
